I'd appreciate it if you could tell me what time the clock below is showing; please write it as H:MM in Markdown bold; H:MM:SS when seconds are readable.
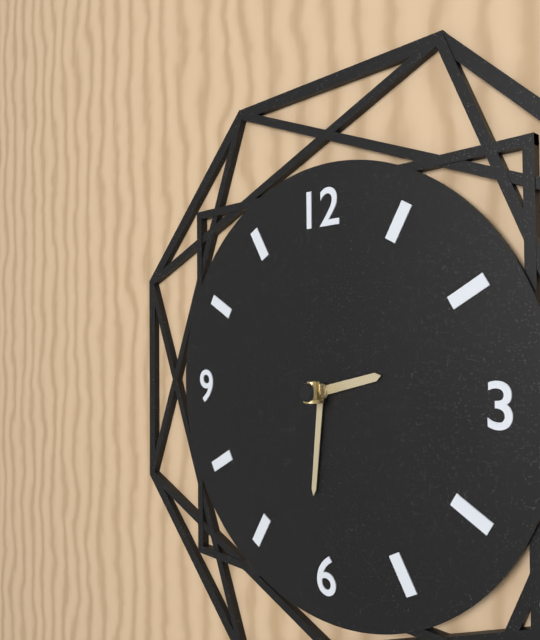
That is **2:31**
